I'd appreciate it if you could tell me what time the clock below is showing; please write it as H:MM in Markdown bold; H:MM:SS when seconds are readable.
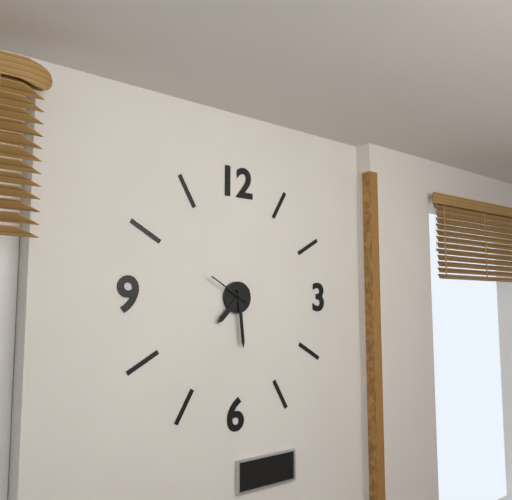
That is **7:29**
